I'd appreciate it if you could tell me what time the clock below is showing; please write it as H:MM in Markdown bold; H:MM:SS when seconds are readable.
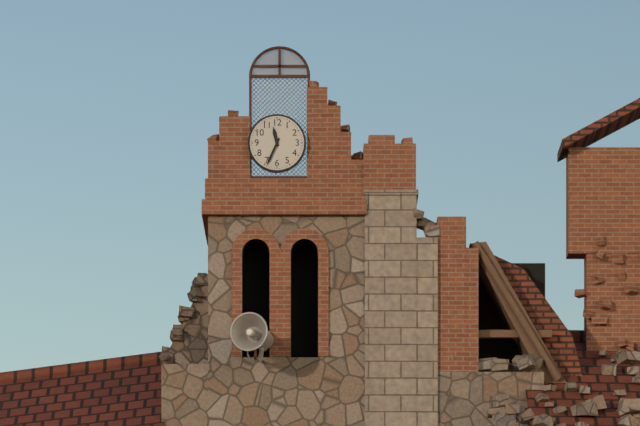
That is **11:34**
